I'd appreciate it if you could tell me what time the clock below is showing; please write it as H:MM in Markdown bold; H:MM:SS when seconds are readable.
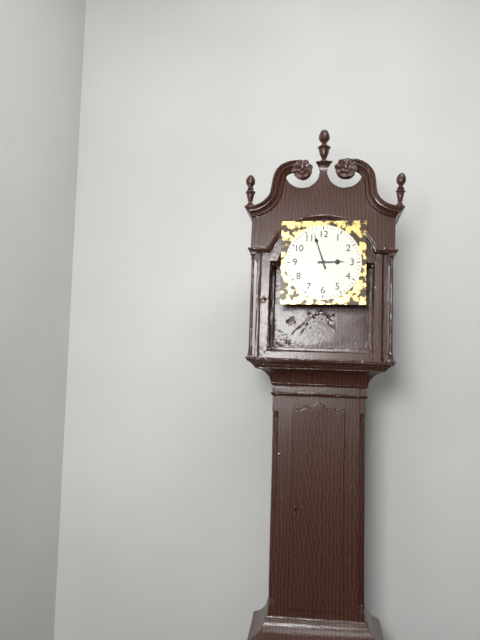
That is **2:57**
